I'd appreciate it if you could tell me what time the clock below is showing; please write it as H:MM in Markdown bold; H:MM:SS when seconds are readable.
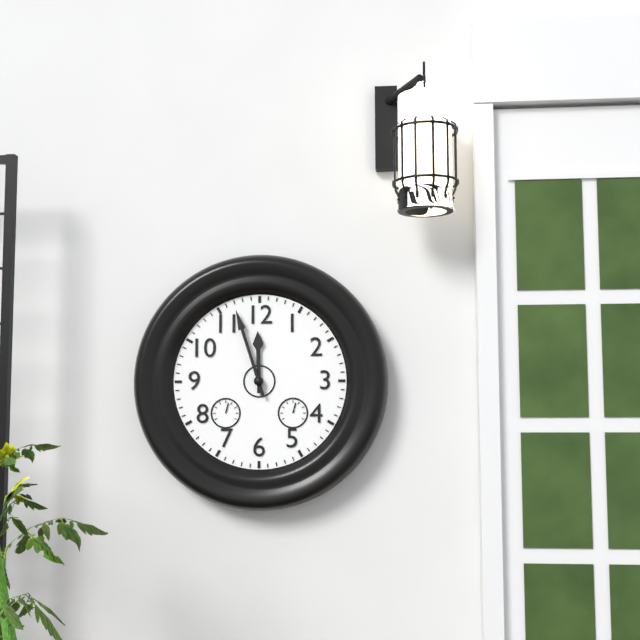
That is **11:57**
